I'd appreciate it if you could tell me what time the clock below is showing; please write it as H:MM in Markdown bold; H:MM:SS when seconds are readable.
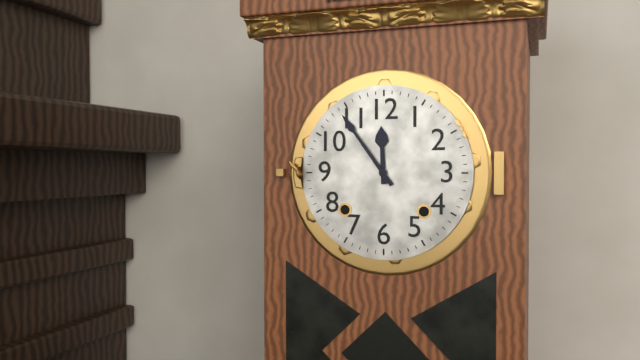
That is **11:54**
